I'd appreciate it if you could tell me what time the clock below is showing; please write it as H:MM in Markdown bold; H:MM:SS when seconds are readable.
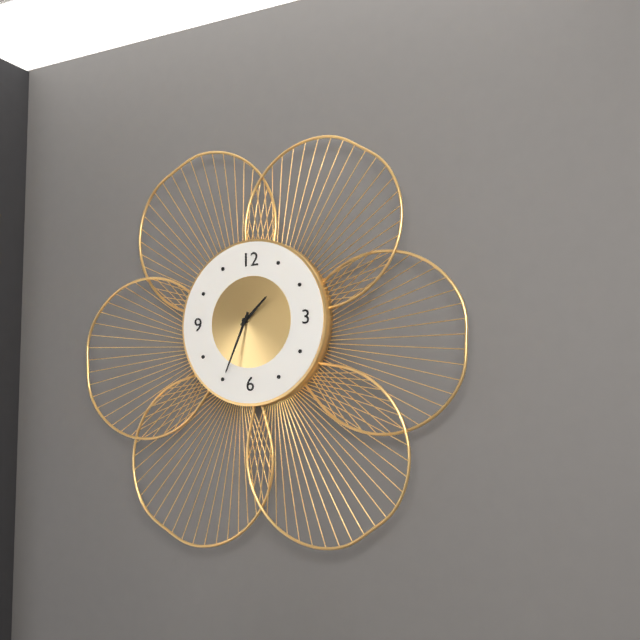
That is **1:34**
